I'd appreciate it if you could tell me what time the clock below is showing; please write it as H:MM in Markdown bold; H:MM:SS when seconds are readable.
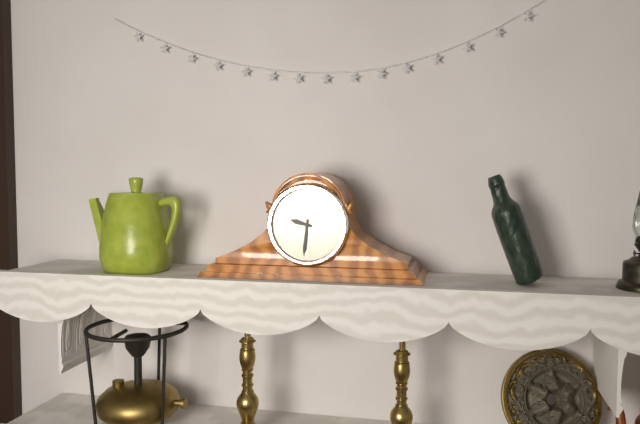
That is **9:31**
